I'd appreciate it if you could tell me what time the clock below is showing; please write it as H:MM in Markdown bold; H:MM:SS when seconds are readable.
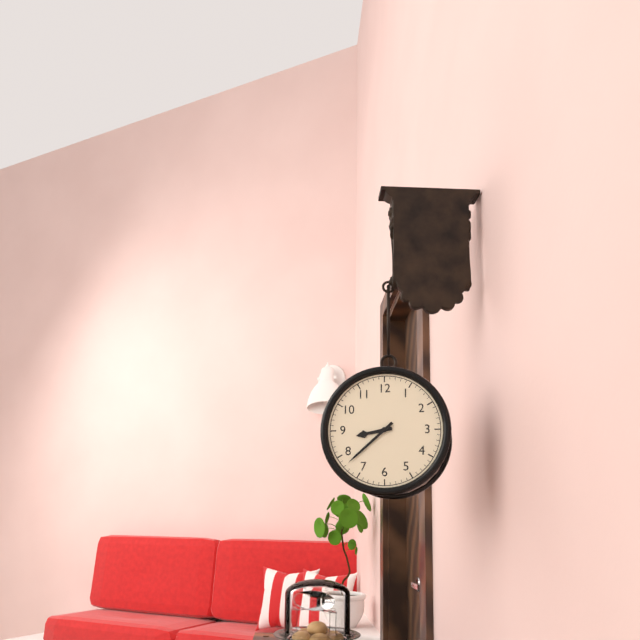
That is **8:38**
